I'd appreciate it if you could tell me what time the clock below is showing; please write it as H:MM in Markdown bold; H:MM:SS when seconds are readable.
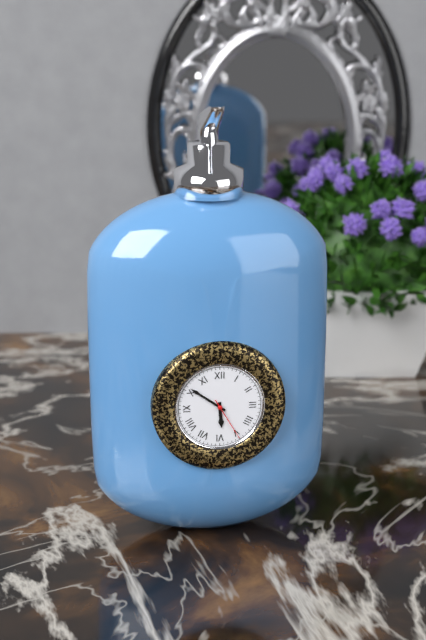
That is **5:51**
